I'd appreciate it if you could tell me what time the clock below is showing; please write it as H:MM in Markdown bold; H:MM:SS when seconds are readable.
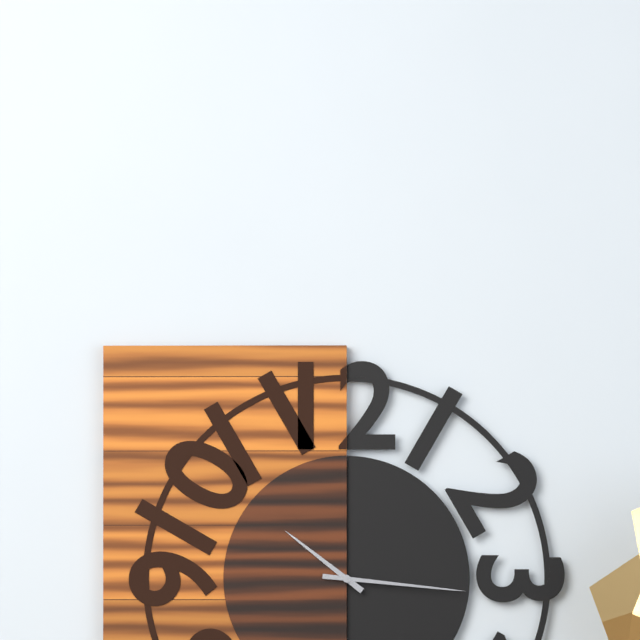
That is **10:16**
